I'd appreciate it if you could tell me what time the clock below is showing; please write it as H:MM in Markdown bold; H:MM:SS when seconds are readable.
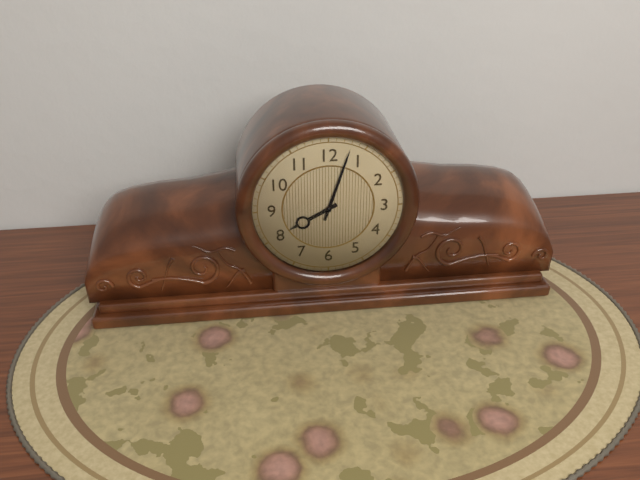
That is **8:03**
